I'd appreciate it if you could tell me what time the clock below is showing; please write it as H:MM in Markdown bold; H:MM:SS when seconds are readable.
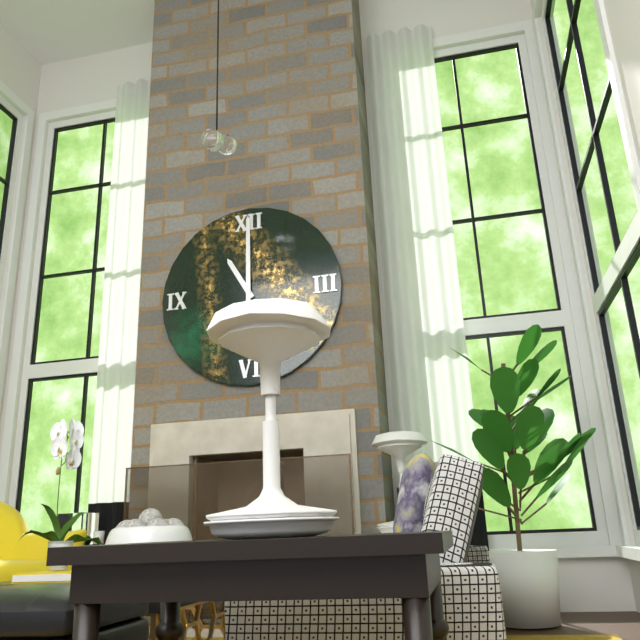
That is **11:00**
